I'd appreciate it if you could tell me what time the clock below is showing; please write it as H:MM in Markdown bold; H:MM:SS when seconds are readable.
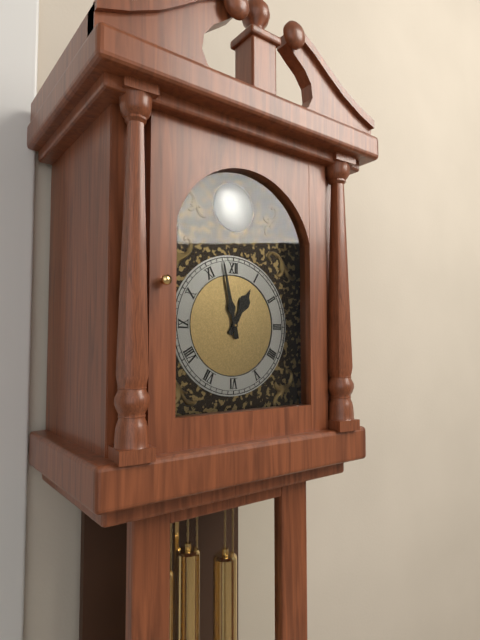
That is **12:58**
